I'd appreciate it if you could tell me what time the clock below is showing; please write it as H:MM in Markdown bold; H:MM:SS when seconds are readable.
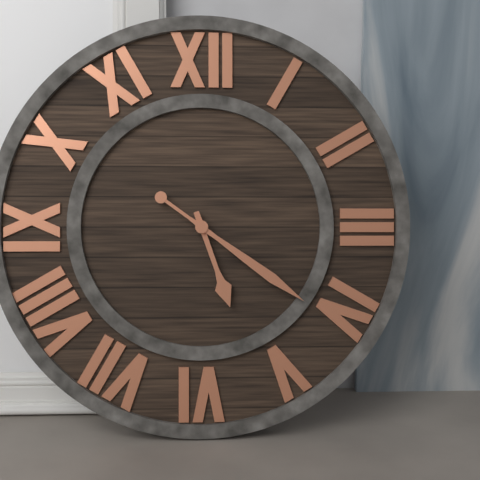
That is **5:21**
